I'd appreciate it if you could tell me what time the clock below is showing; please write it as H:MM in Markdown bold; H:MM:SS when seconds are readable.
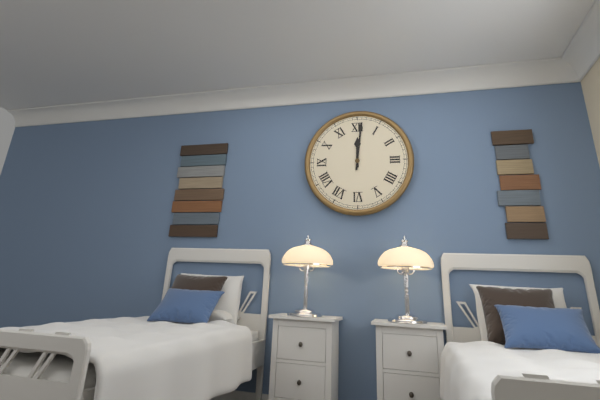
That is **12:01**
